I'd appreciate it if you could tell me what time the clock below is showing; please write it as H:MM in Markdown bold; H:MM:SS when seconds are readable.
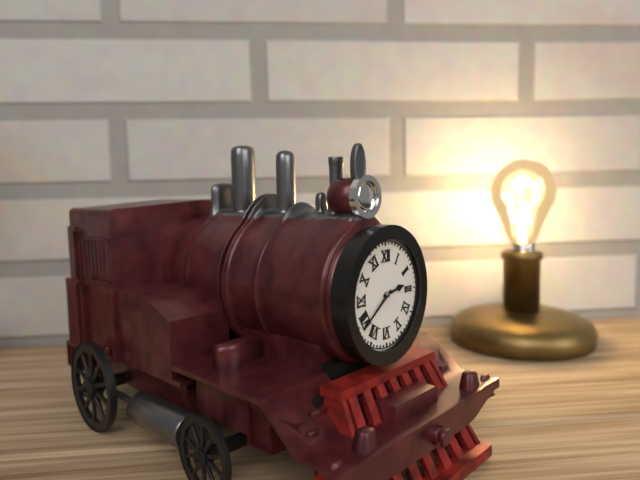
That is **2:39**
